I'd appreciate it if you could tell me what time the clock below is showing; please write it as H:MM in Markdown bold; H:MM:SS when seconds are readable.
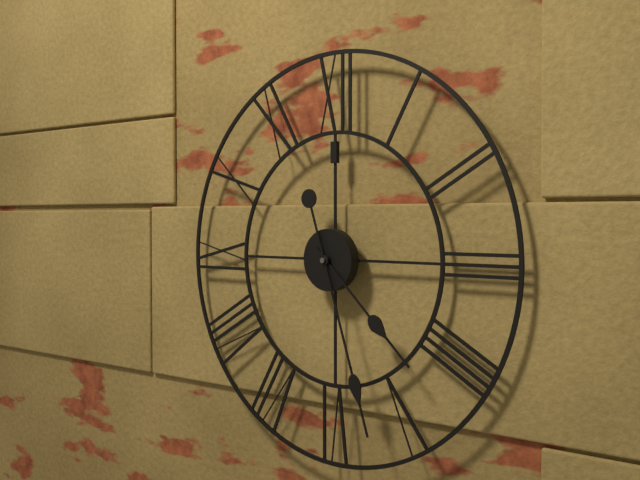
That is **4:27**
